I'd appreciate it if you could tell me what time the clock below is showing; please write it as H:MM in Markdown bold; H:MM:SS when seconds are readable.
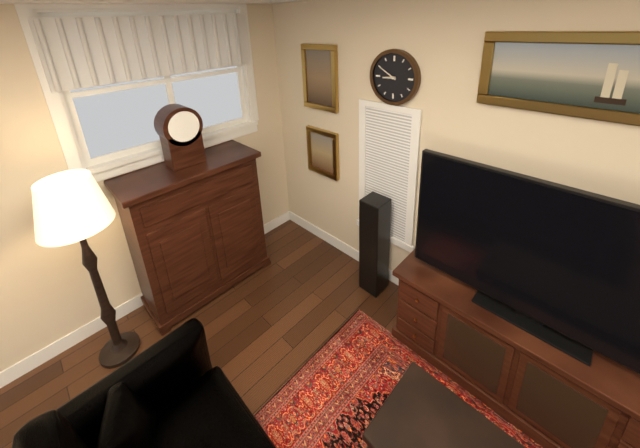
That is **8:50**
